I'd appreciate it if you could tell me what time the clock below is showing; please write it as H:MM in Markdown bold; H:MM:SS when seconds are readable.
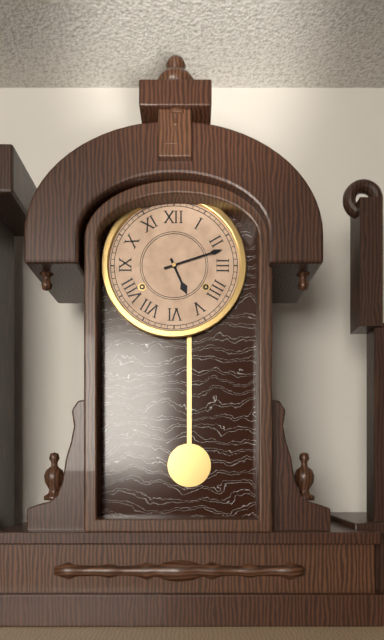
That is **5:12**
